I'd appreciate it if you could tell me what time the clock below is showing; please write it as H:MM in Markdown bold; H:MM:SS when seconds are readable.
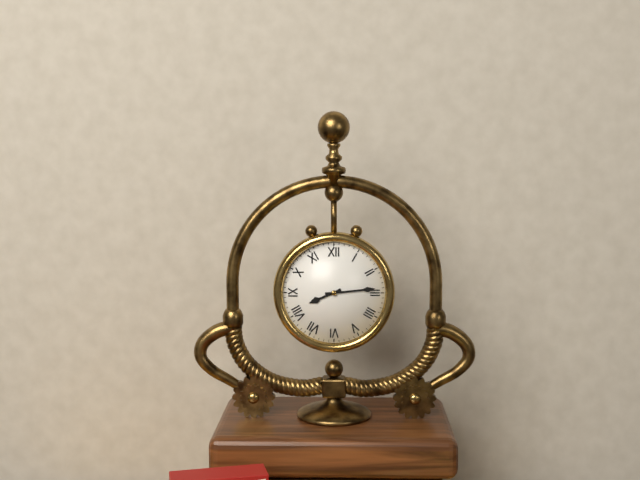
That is **8:14**
